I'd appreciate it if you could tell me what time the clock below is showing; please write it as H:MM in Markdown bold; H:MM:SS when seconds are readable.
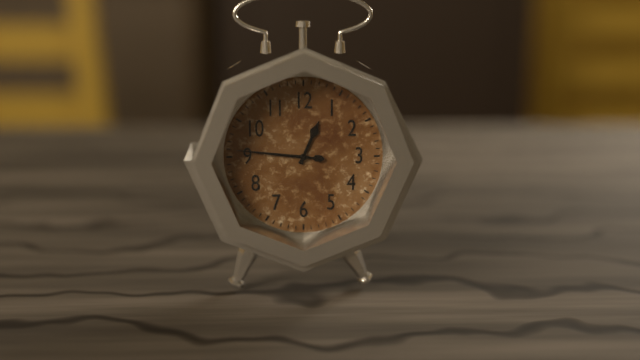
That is **12:46**
